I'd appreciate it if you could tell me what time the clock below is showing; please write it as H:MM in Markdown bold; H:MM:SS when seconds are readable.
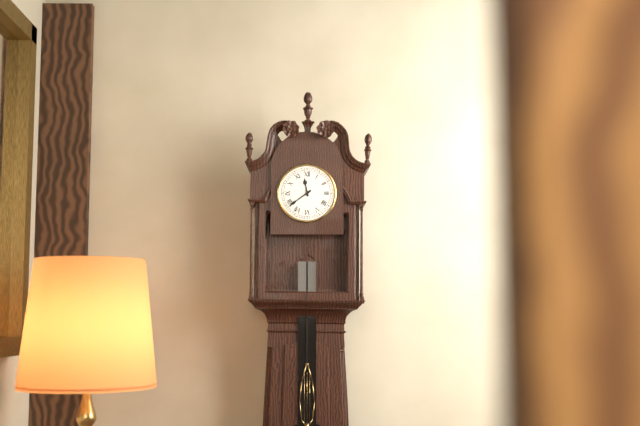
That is **11:39**
